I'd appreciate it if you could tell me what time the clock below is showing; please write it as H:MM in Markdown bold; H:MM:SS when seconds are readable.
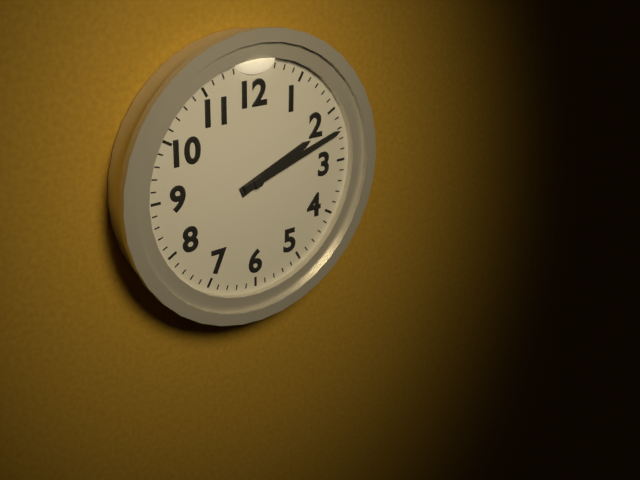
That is **2:12**
